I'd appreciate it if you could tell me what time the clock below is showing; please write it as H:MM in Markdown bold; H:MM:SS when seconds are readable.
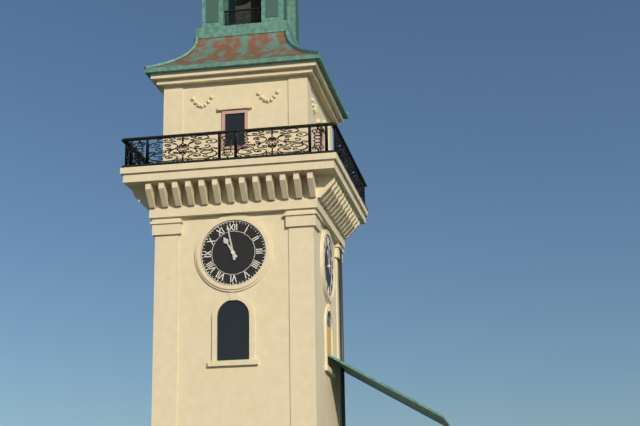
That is **10:58**
